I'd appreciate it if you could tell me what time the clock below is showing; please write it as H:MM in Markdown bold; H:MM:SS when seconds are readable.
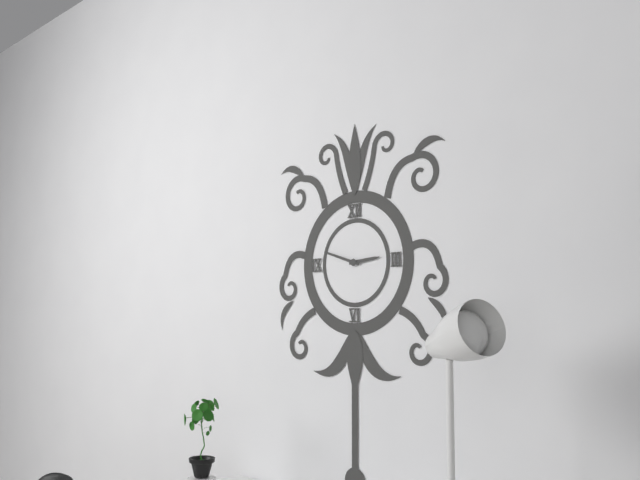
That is **2:48**
